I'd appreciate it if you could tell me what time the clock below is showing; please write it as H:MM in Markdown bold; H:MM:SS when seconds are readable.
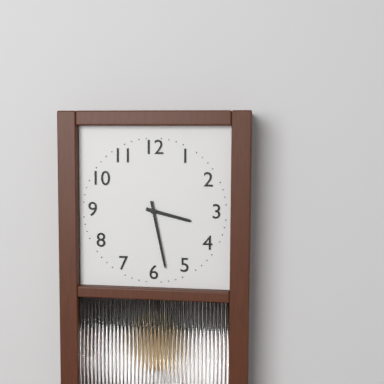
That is **3:28**
